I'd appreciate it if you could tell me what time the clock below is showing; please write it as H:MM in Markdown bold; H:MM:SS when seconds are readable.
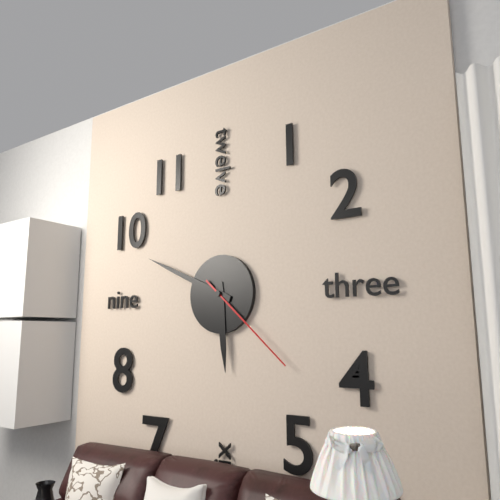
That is **5:49:22**
